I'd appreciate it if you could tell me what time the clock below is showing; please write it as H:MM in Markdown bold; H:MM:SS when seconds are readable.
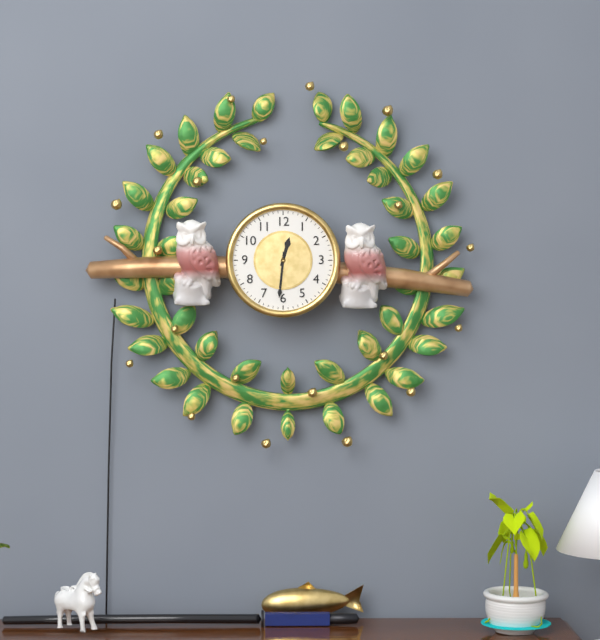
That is **12:31**
